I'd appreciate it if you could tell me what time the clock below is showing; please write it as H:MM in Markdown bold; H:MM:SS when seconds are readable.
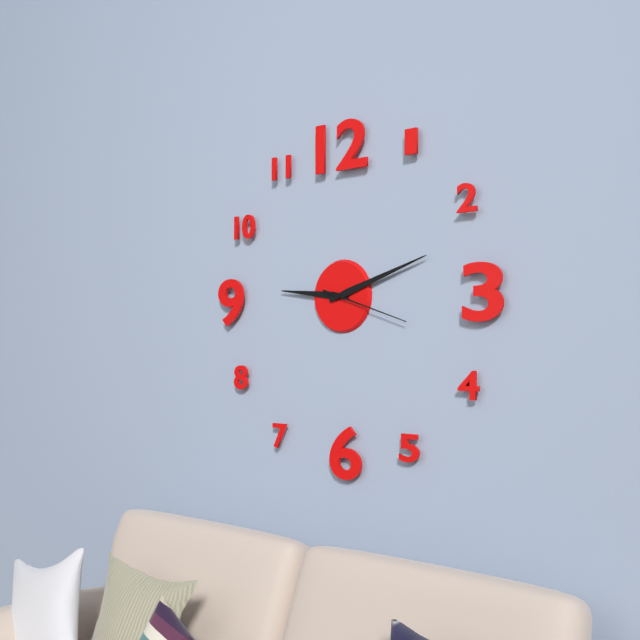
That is **9:12:18**
